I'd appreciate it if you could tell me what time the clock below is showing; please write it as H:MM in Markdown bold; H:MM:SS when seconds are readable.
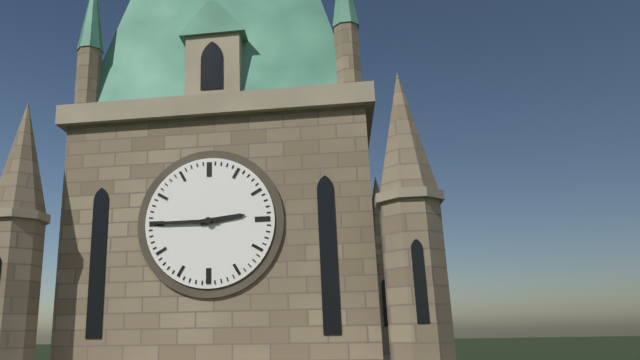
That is **2:45**
